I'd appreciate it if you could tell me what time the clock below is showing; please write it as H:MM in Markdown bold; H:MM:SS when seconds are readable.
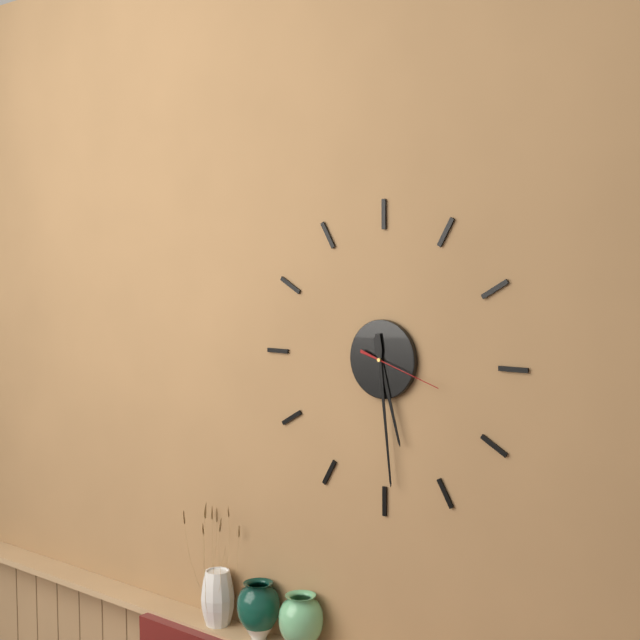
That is **5:29:18**
